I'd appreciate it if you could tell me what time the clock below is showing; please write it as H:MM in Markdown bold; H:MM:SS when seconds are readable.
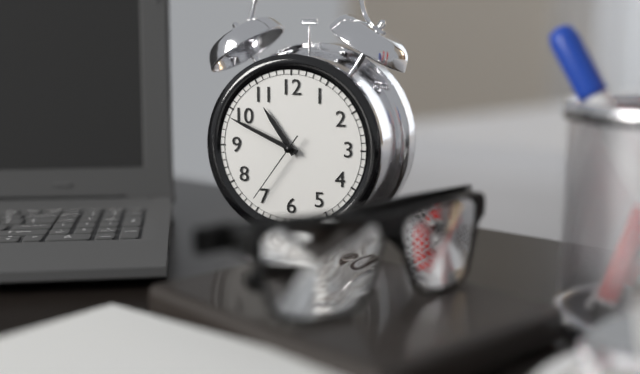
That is **10:49:36**
